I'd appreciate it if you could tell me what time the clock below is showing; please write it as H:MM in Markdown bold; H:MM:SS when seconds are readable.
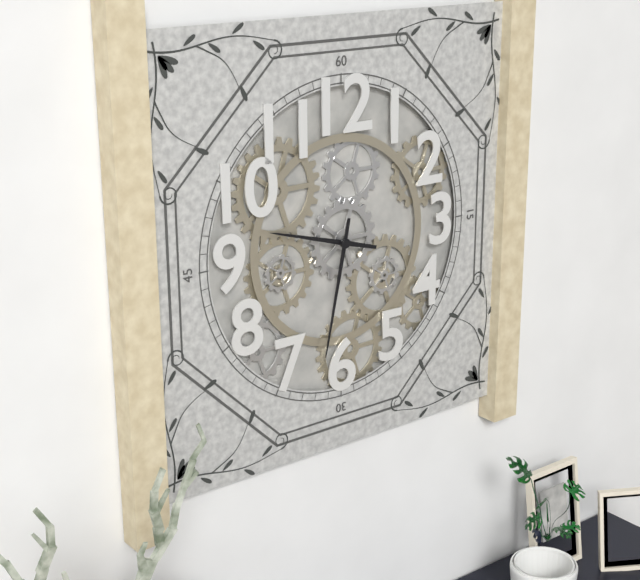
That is **9:32**
